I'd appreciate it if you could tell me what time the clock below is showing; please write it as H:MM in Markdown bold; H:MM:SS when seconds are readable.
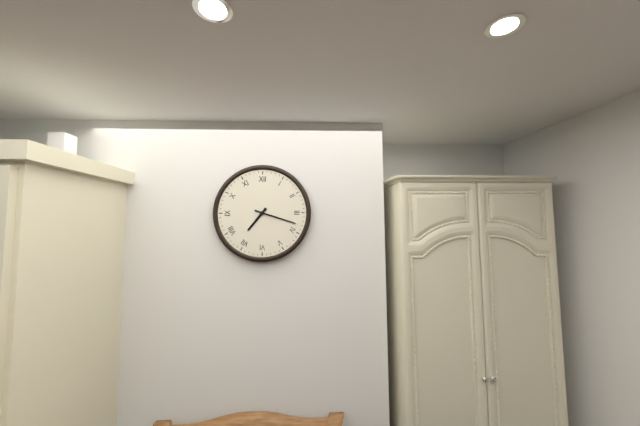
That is **7:18**
